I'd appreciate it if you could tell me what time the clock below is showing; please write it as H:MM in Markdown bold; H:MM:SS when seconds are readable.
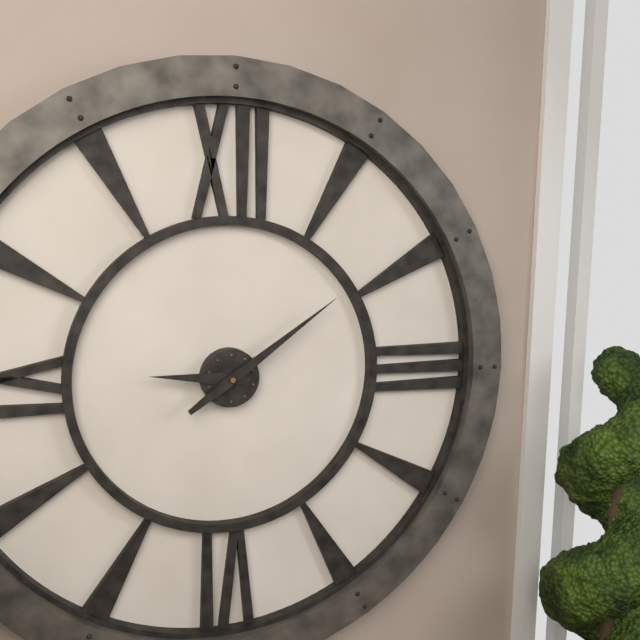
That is **9:09**
